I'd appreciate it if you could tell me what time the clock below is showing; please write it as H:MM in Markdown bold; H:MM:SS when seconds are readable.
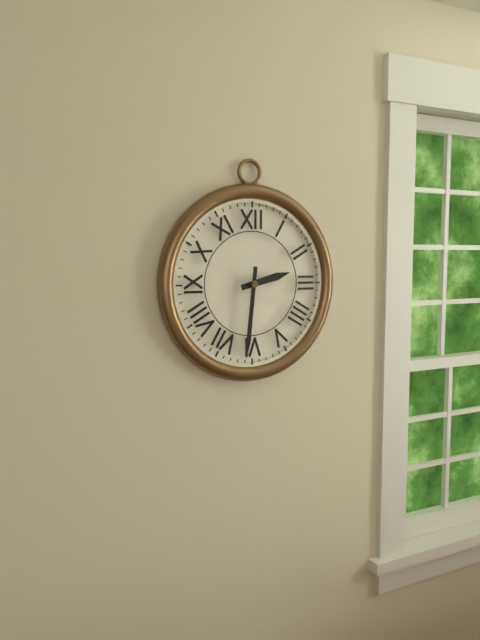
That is **2:31**
